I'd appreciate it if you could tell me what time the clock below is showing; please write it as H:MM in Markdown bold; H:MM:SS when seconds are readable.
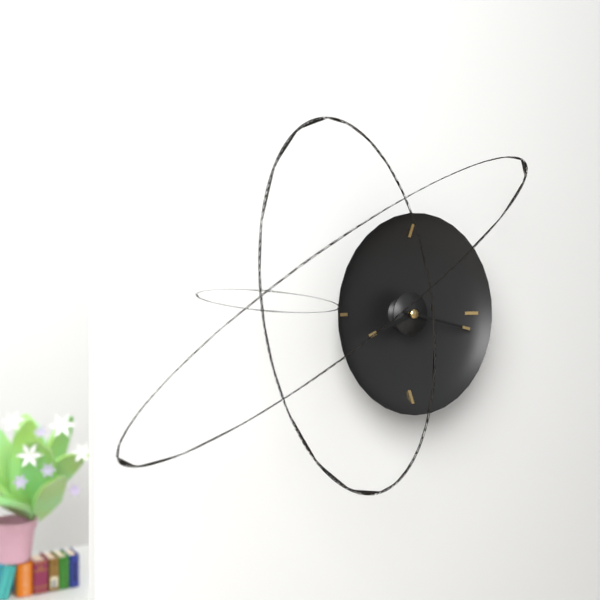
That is **8:17**
